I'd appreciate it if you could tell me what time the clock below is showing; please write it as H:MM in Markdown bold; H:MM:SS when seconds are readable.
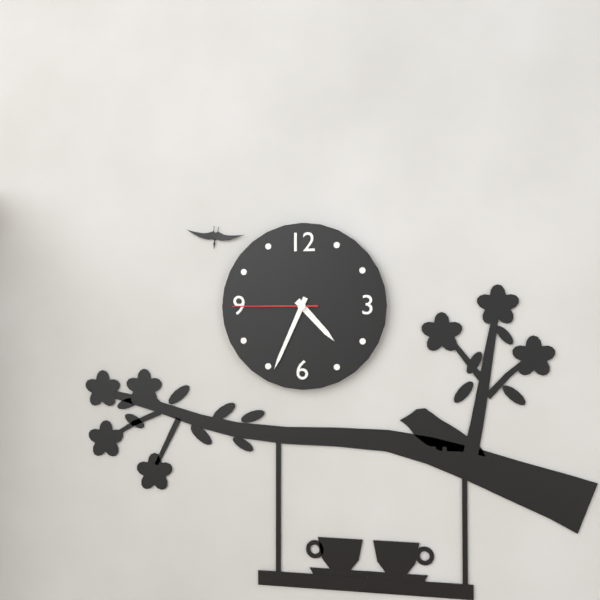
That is **4:34:45**
